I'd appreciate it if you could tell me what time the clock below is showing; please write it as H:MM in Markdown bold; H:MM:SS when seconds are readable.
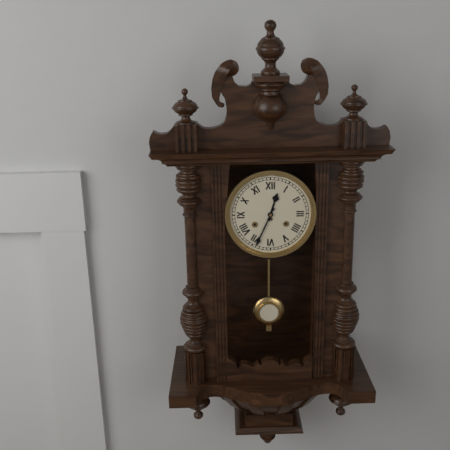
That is **12:34**
